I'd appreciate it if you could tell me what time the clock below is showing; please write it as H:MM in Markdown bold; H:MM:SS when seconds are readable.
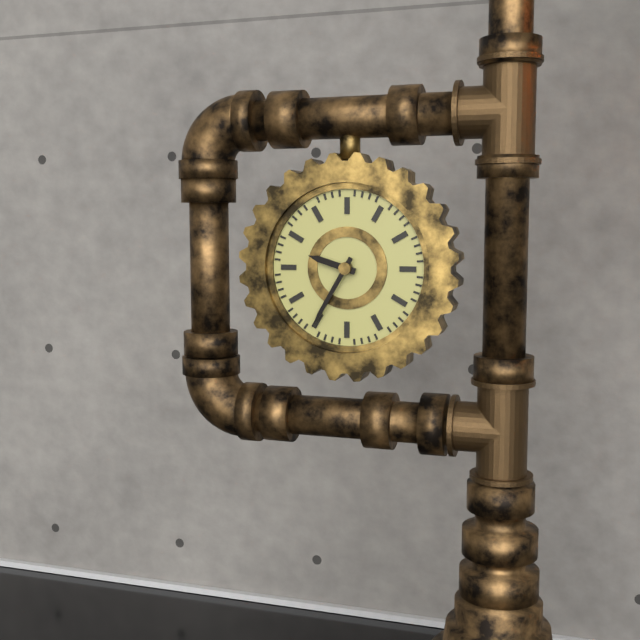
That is **9:35**
